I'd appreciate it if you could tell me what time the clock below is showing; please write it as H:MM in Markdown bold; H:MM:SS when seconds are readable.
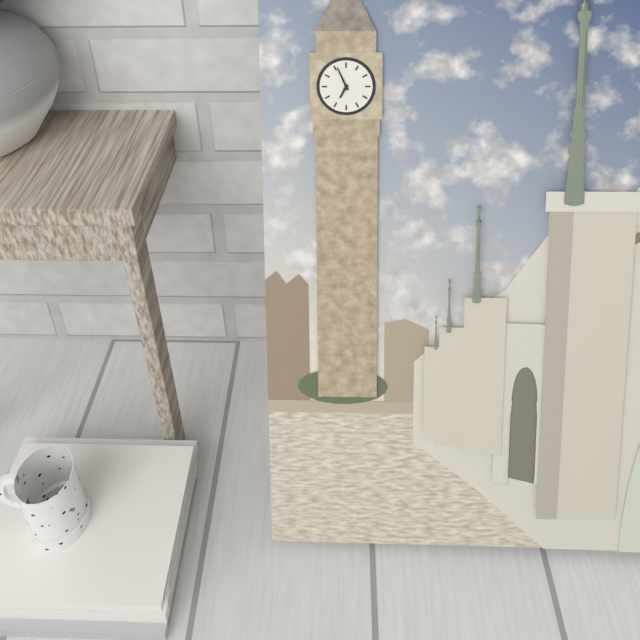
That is **6:56**
